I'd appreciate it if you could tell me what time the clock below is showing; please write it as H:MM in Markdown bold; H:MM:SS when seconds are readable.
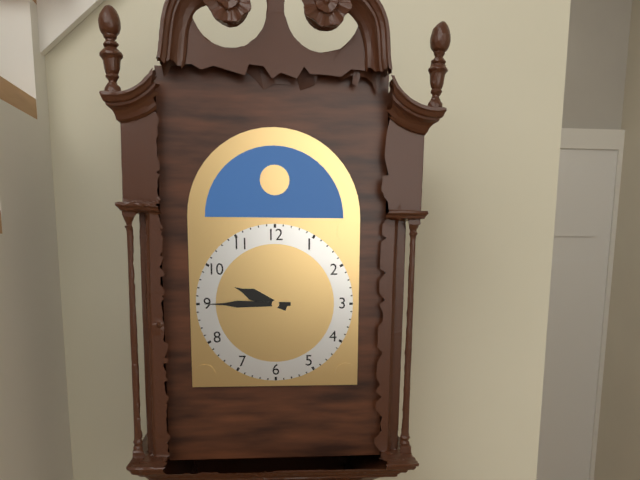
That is **9:45**
